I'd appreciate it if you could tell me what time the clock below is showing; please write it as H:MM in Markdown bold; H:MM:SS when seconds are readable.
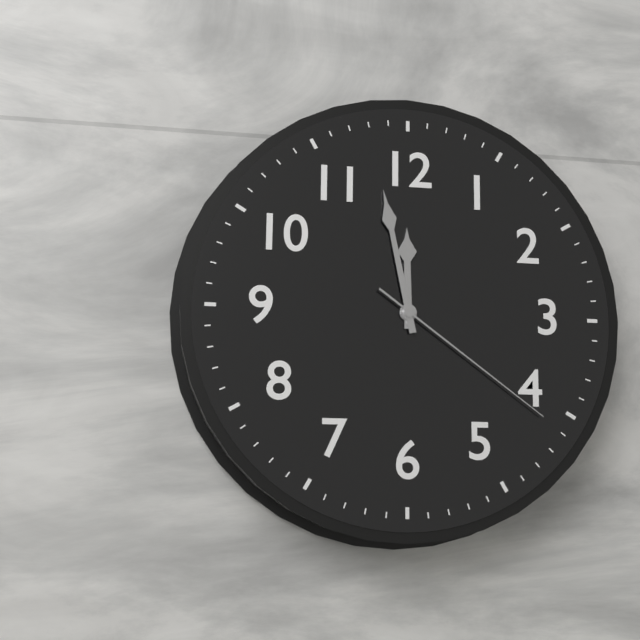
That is **11:58:21**
